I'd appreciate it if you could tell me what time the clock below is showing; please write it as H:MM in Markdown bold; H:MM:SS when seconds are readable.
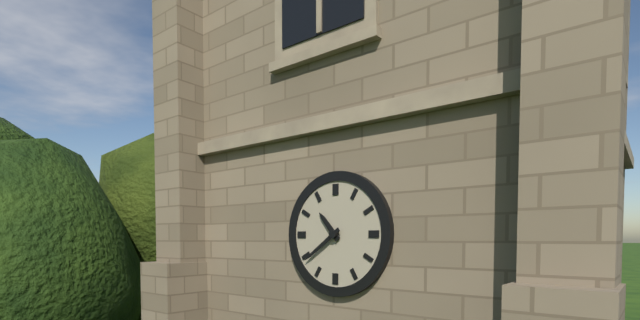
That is **10:39**
